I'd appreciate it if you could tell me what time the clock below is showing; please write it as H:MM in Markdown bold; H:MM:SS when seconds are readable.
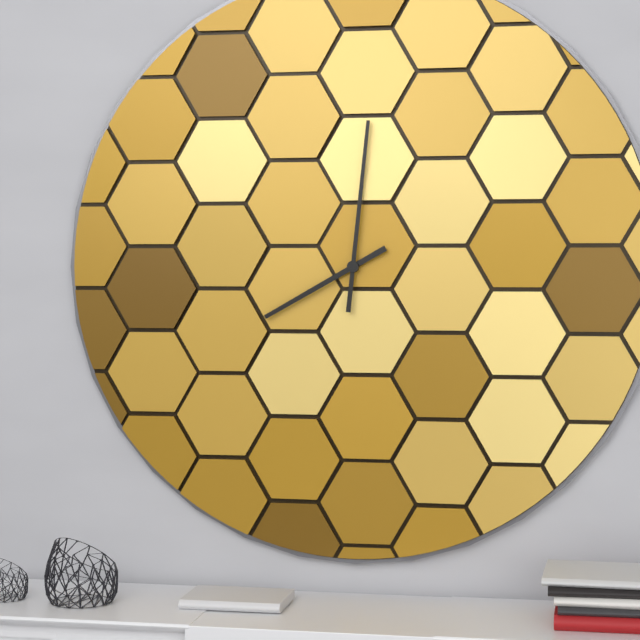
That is **8:01**
